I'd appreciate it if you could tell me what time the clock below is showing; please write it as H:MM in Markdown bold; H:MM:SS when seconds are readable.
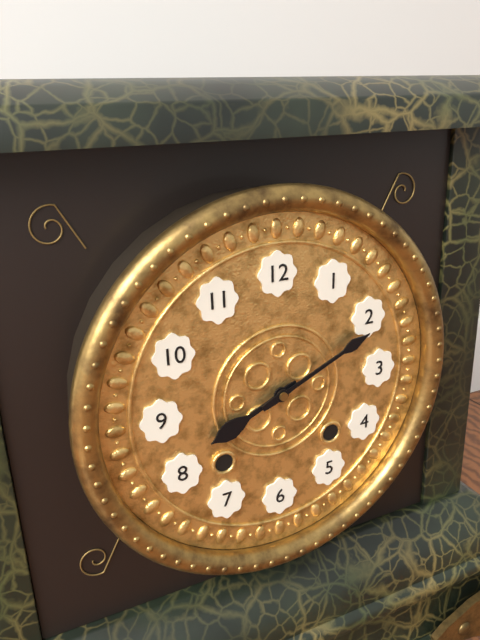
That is **8:11**
